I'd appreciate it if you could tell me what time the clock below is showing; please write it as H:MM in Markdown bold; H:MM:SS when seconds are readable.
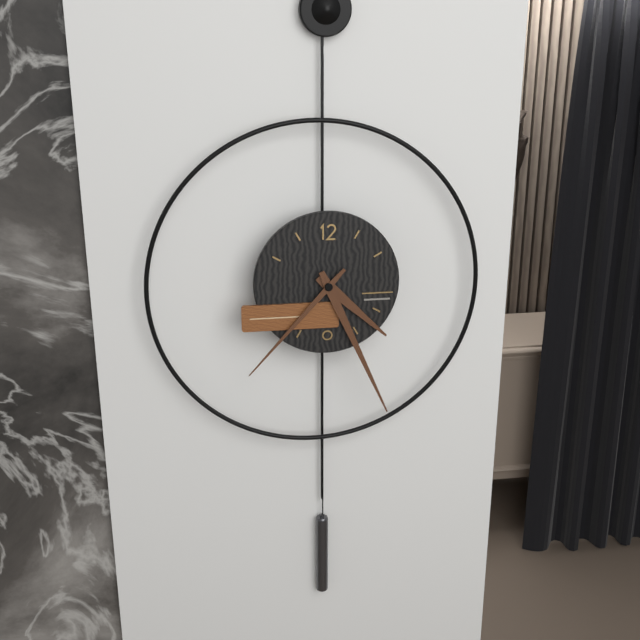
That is **4:26:37**
